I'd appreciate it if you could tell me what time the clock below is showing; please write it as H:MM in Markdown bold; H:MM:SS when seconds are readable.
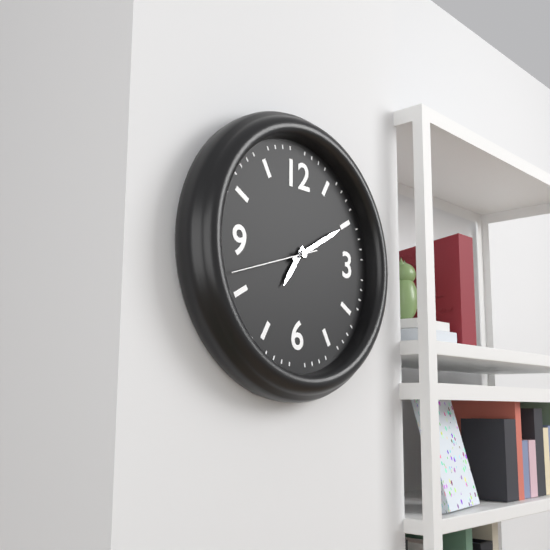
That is **7:10:42**
